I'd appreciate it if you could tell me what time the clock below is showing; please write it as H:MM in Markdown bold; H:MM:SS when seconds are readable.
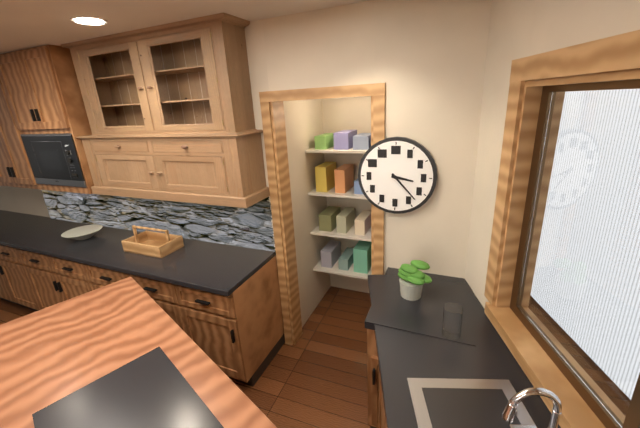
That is **3:23**
